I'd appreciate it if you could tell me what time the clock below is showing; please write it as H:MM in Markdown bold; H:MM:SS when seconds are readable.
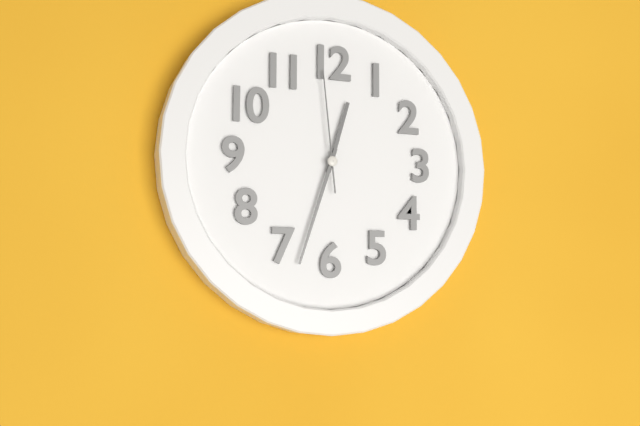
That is **12:33:59**
